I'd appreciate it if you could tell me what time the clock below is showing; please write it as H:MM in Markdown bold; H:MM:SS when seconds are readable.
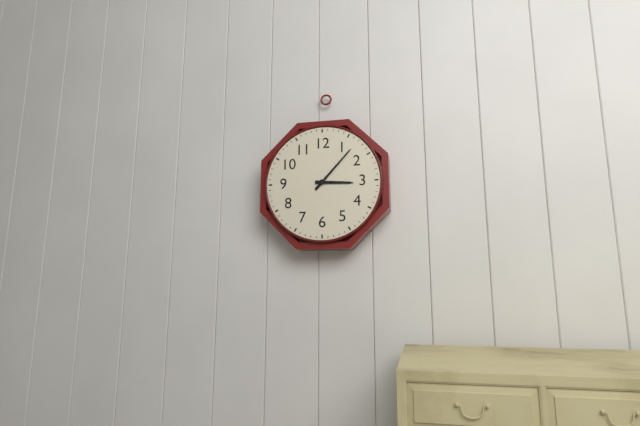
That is **3:07**
